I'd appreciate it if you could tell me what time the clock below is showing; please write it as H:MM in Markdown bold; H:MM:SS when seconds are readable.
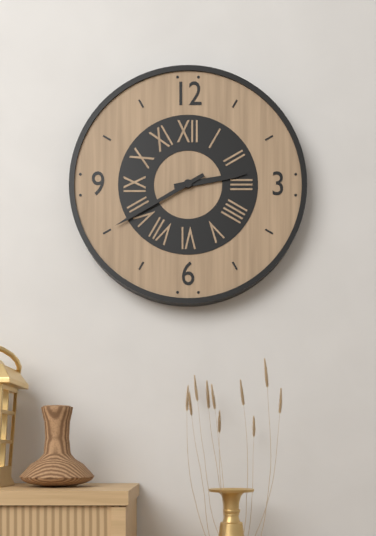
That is **2:40**
